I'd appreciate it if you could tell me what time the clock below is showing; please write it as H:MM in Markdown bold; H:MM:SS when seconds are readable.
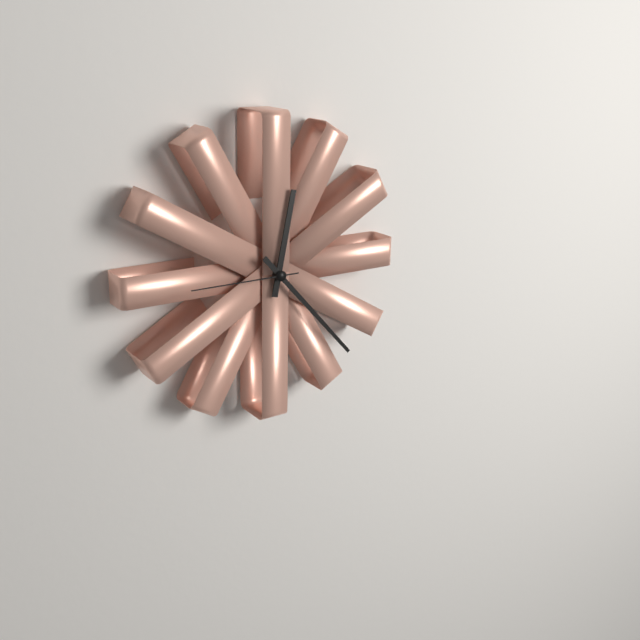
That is **12:23:45**
